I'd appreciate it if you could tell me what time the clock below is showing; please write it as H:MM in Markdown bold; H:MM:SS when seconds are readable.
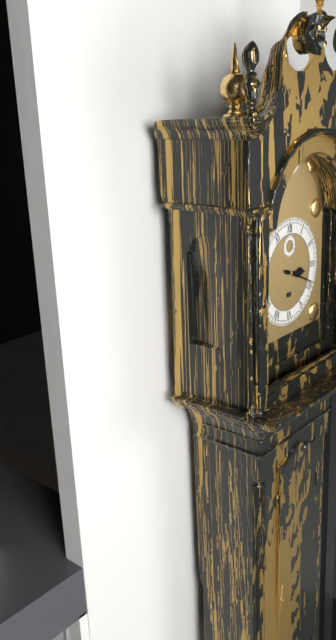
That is **3:19**
